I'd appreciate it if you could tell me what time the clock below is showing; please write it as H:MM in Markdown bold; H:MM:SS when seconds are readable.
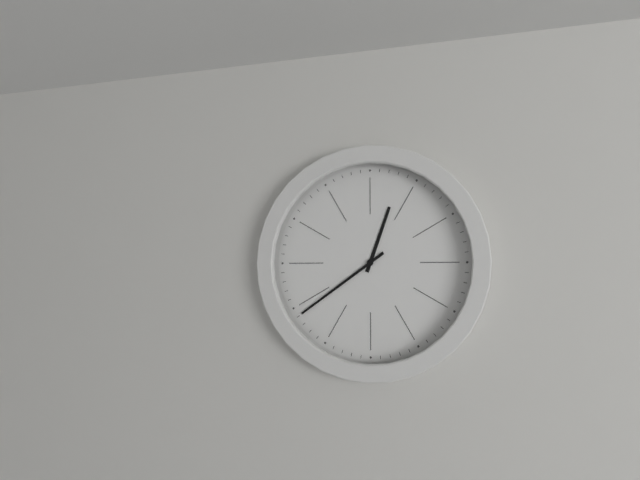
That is **12:39**
